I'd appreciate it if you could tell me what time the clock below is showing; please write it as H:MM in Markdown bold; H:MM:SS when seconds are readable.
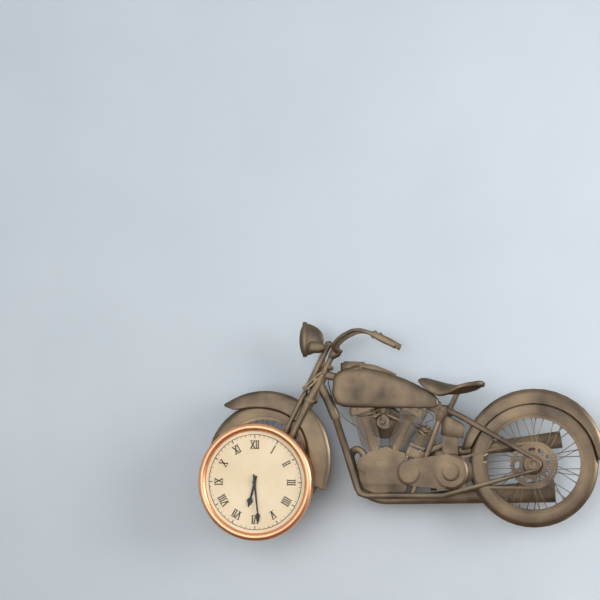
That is **6:29**
